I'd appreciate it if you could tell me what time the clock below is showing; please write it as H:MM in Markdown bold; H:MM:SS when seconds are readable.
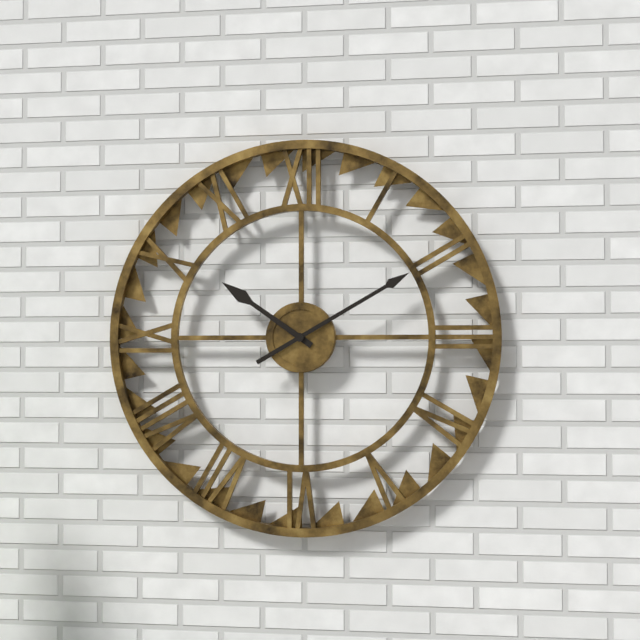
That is **10:10**
